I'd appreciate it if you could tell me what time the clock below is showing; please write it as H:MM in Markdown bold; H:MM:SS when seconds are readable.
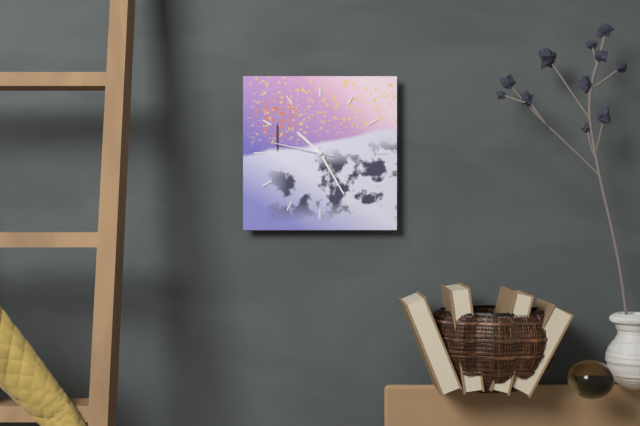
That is **10:25:47**
